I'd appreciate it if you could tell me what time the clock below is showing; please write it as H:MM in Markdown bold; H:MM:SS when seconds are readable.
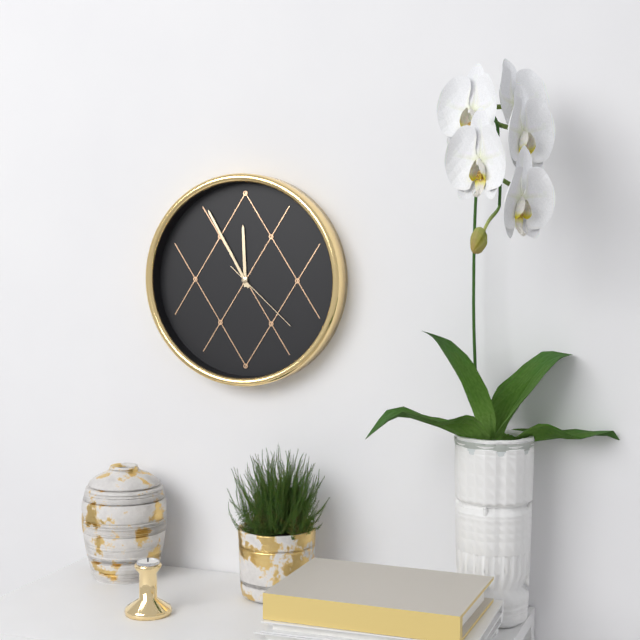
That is **11:55:22**
